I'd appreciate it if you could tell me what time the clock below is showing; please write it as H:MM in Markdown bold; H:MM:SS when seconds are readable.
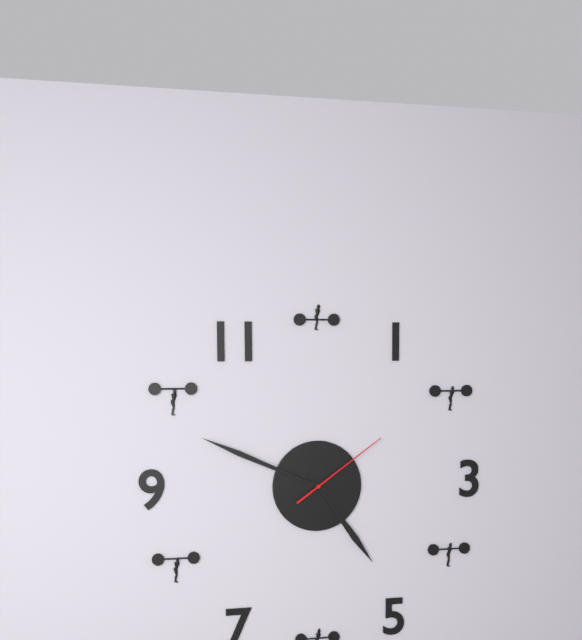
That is **4:49:09**
